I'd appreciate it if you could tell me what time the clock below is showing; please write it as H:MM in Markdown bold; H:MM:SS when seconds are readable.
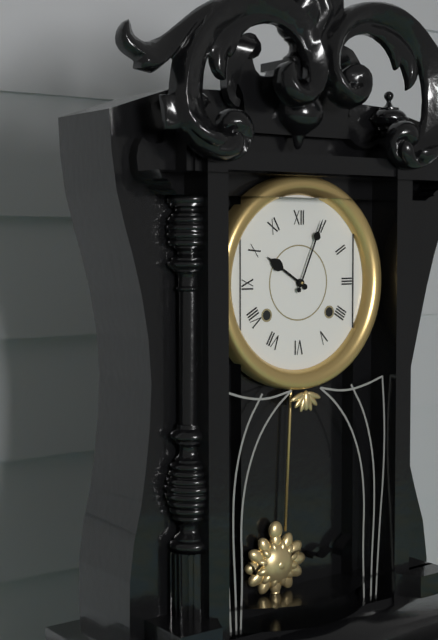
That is **10:04**
